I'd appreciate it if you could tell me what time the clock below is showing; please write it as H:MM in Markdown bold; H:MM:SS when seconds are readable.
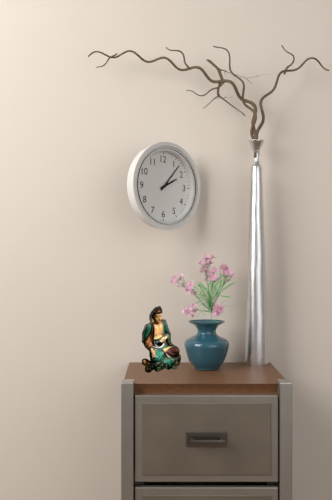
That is **2:07**
